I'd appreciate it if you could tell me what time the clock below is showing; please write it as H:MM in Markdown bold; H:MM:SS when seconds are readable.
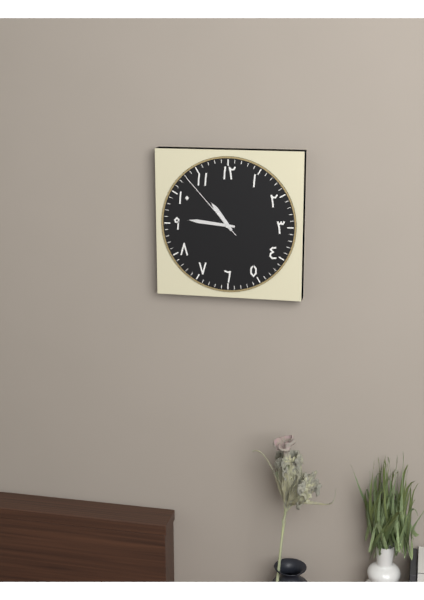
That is **10:46:53**
